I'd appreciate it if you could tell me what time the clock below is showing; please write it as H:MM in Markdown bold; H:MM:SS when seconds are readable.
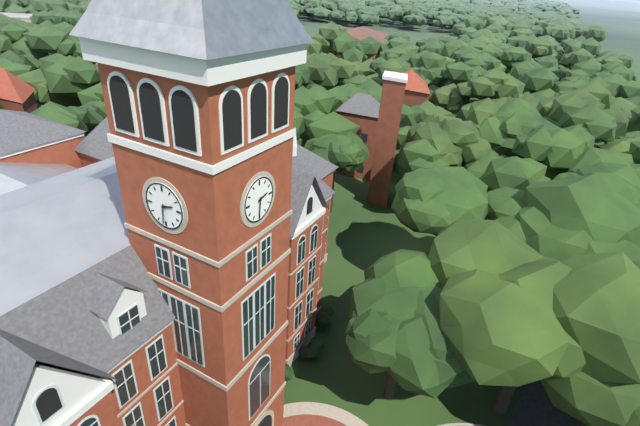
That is **2:31**
